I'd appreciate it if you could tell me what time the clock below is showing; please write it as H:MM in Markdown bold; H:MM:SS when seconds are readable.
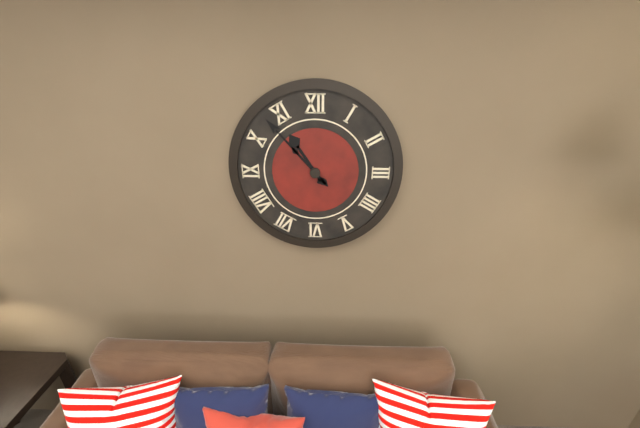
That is **10:53**
